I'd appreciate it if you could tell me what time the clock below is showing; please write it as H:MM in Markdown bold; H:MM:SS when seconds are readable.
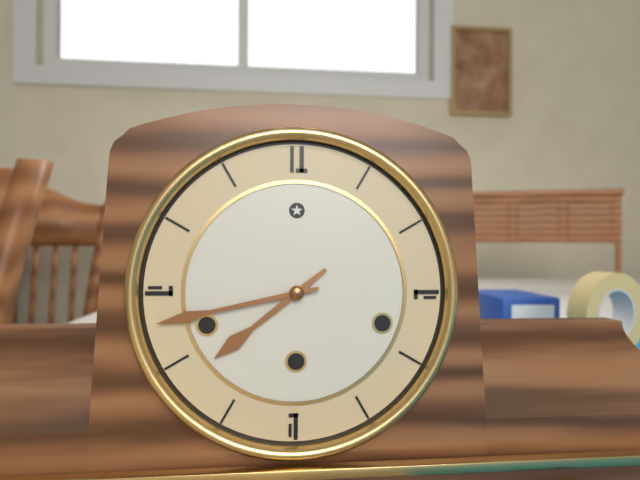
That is **7:43**
